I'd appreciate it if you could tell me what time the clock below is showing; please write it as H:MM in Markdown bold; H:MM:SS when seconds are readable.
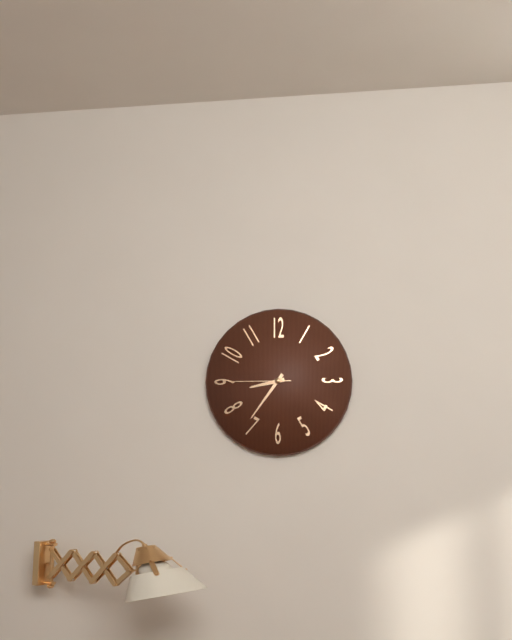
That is **8:36:45**
